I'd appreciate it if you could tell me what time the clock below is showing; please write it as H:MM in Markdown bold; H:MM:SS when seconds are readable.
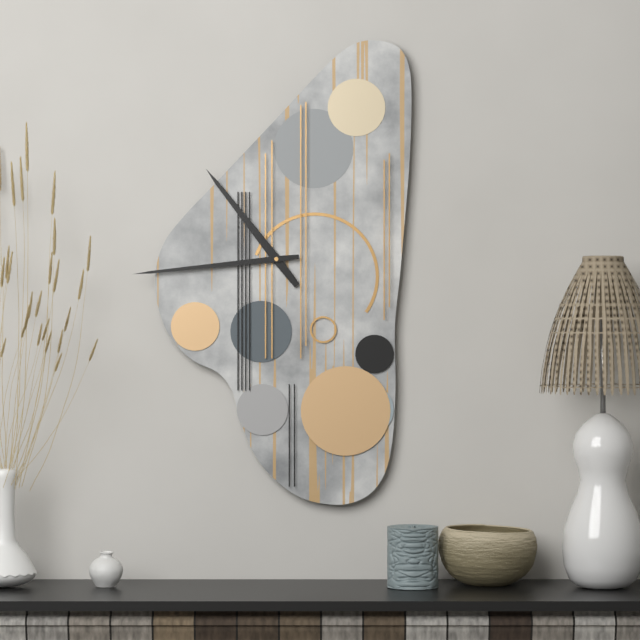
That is **10:44**
